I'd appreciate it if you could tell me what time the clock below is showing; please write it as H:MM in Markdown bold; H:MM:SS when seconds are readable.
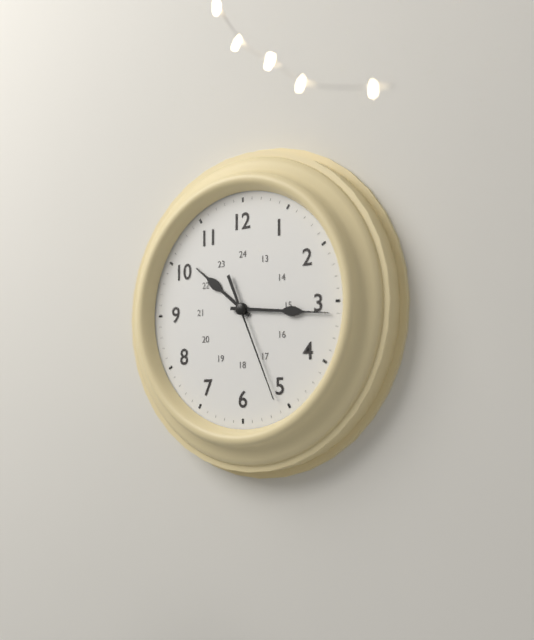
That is **10:16:26**
